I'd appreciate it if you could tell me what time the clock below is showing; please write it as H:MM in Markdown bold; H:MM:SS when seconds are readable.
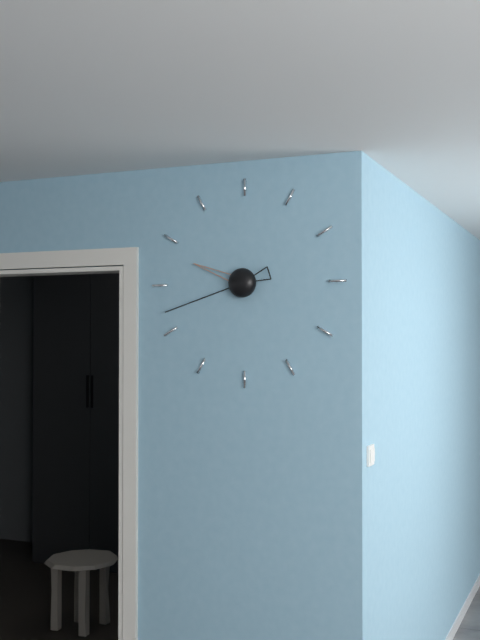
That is **9:42**
